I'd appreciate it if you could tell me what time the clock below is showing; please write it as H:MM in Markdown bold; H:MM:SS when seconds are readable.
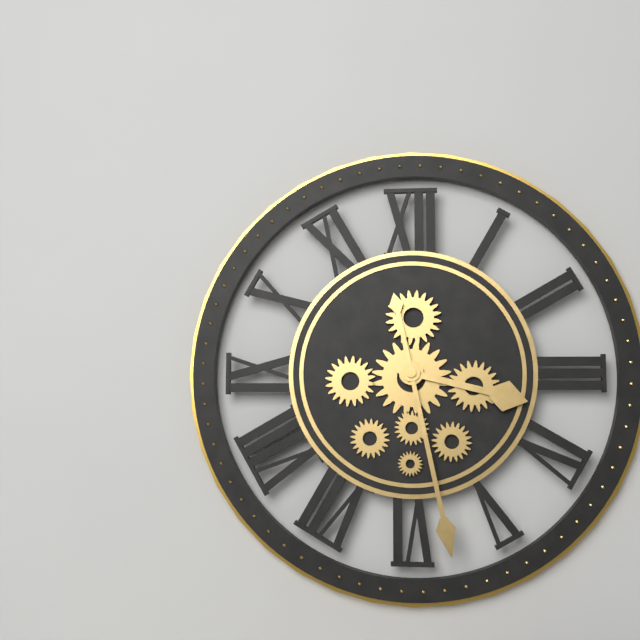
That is **3:28**
